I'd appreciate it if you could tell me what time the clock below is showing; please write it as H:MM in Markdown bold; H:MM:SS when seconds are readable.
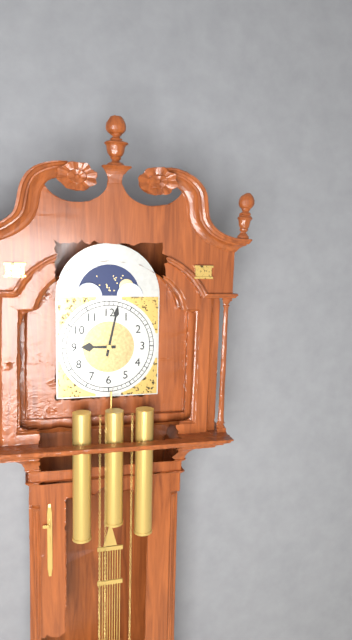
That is **9:02**
